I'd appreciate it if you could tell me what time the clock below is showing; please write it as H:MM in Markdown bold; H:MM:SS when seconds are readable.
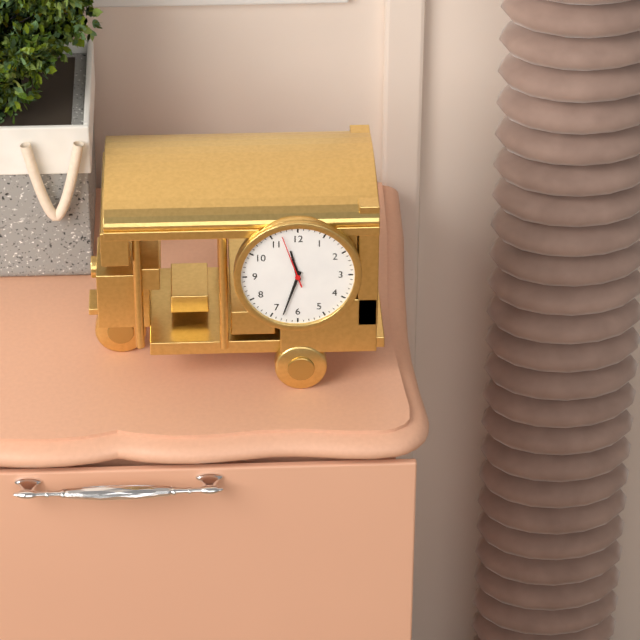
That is **11:33:57**
